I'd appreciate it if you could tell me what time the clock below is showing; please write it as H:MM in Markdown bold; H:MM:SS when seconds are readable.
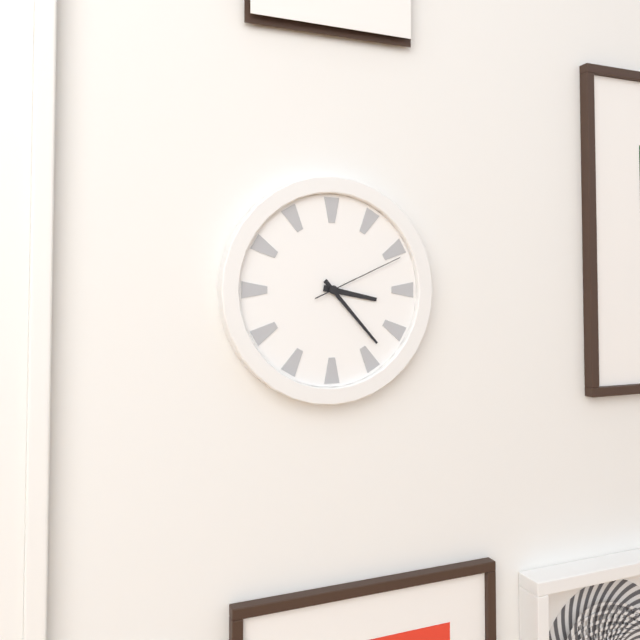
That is **3:23:11**
